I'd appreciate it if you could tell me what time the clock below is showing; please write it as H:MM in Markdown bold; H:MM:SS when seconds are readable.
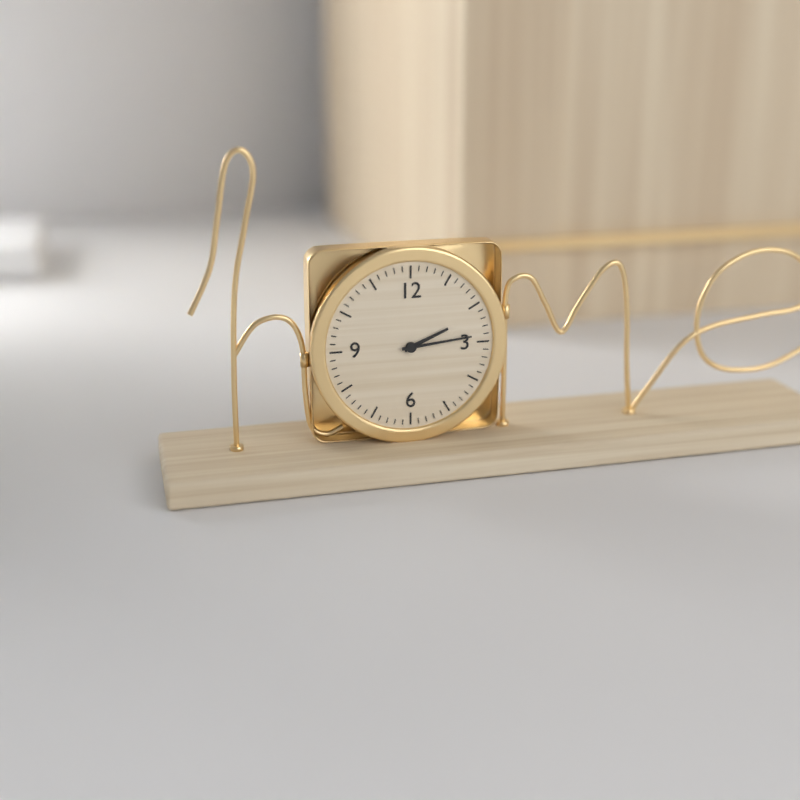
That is **2:14**
